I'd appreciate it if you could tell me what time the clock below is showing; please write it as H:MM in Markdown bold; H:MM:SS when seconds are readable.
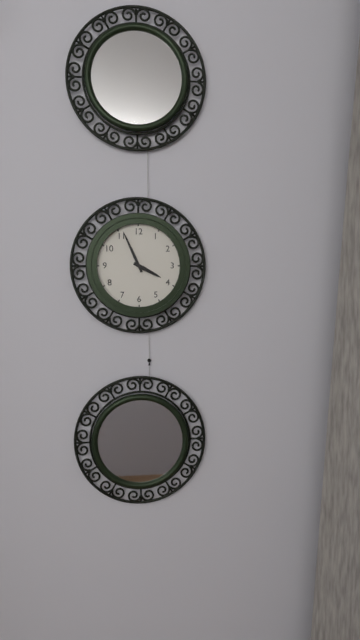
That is **3:56**
